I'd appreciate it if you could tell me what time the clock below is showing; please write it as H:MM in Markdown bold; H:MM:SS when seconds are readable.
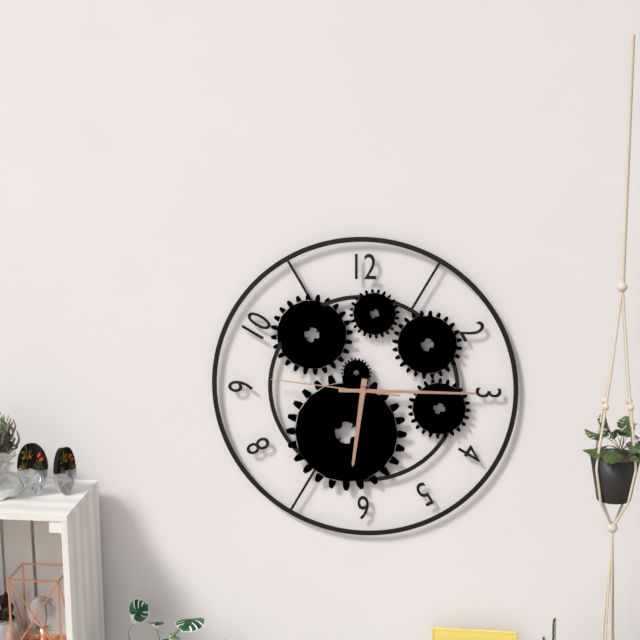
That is **6:15:46**
